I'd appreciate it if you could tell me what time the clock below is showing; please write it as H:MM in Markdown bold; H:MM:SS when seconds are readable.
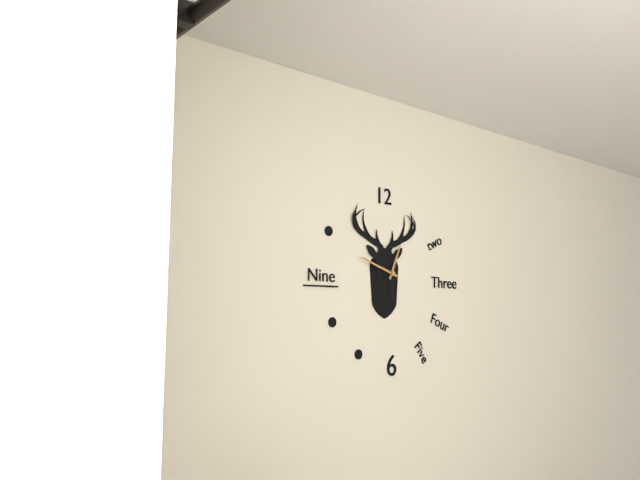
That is **12:48**
